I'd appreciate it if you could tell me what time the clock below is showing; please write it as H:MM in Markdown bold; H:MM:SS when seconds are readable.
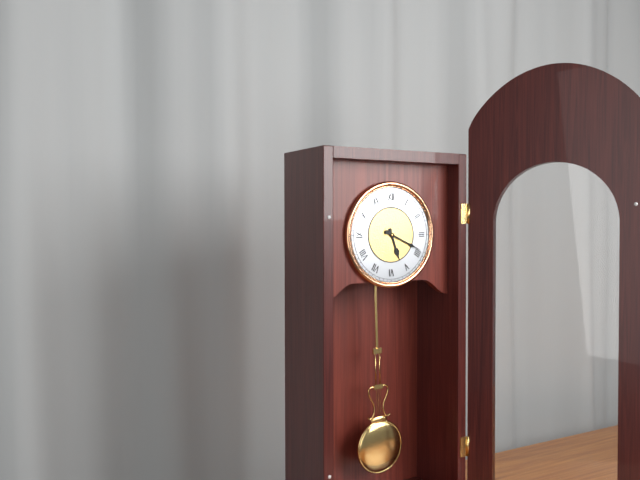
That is **5:19**
